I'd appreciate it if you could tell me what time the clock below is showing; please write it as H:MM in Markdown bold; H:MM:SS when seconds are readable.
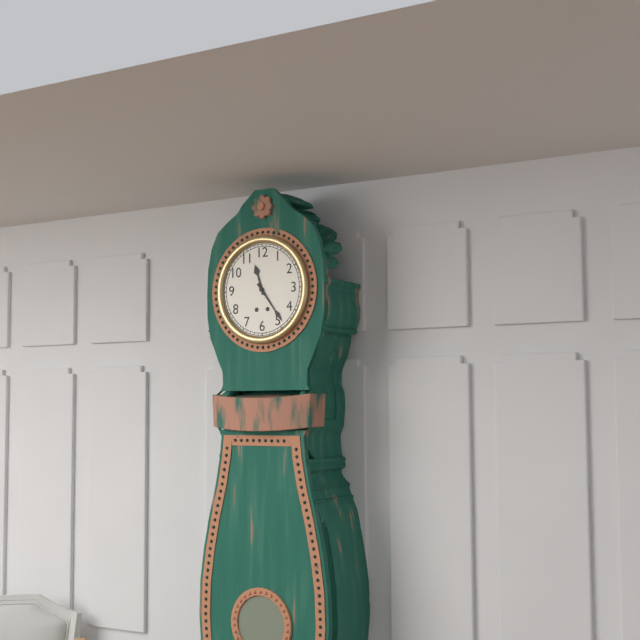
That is **11:24**
